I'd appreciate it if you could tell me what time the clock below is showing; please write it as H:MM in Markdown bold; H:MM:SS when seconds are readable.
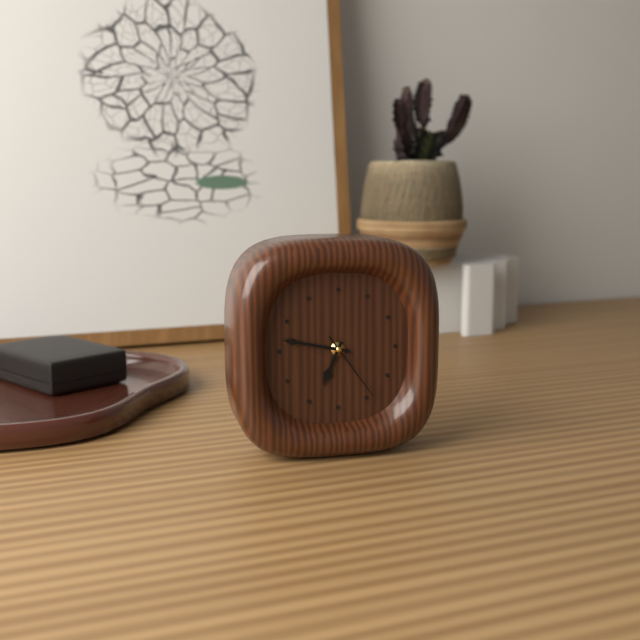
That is **6:47:24**
